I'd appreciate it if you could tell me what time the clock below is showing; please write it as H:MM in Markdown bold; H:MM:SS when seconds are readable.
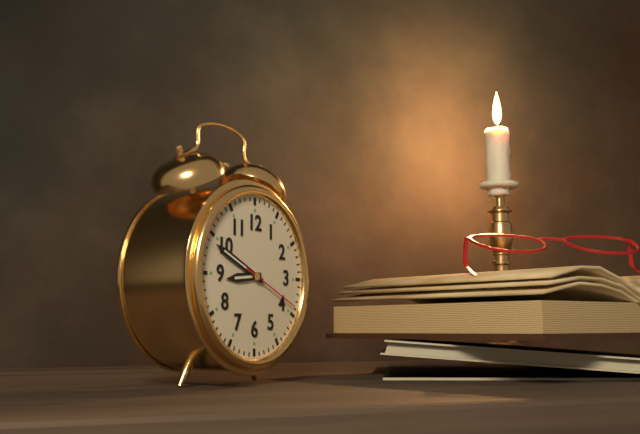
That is **8:49:19**
